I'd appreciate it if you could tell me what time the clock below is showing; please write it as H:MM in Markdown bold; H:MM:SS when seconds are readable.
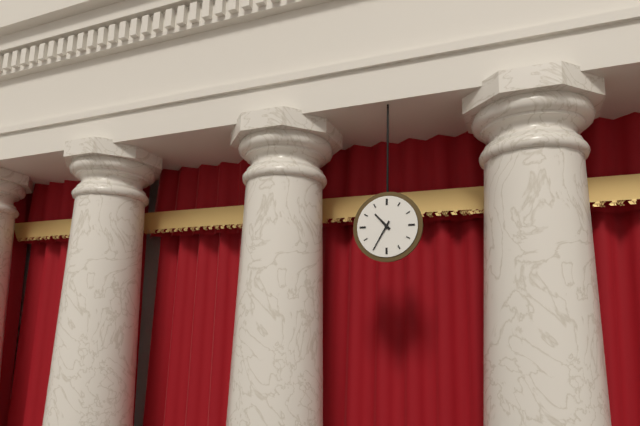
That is **10:35**
